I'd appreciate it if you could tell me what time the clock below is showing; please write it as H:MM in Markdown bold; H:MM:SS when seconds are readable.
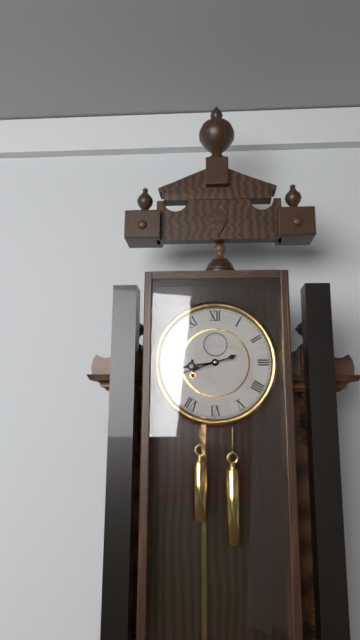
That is **8:42**
